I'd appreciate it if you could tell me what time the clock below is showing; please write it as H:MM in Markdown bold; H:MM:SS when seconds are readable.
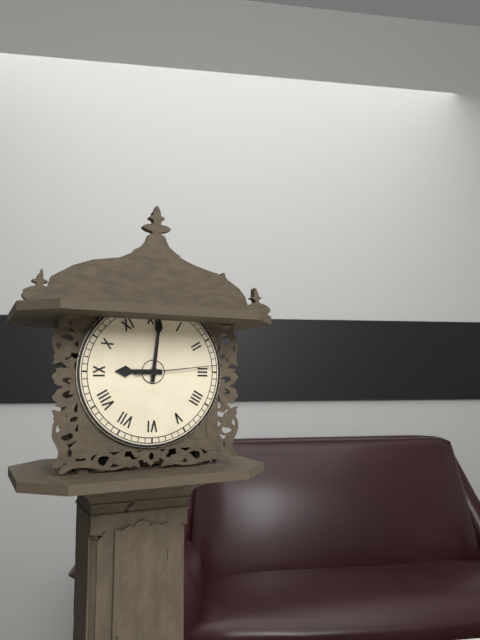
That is **9:01:14**
